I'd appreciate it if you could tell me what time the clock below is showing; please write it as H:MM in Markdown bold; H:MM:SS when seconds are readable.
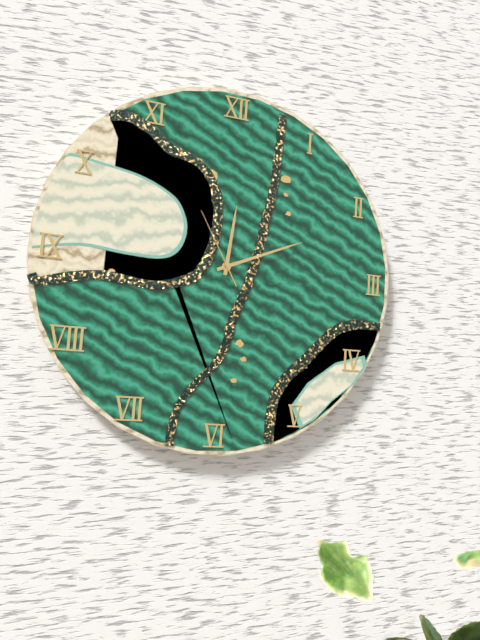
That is **12:11:55**
